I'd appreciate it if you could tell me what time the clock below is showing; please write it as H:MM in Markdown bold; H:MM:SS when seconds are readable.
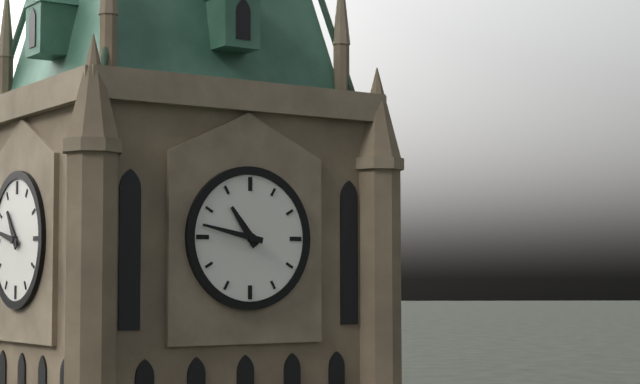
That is **10:47**
